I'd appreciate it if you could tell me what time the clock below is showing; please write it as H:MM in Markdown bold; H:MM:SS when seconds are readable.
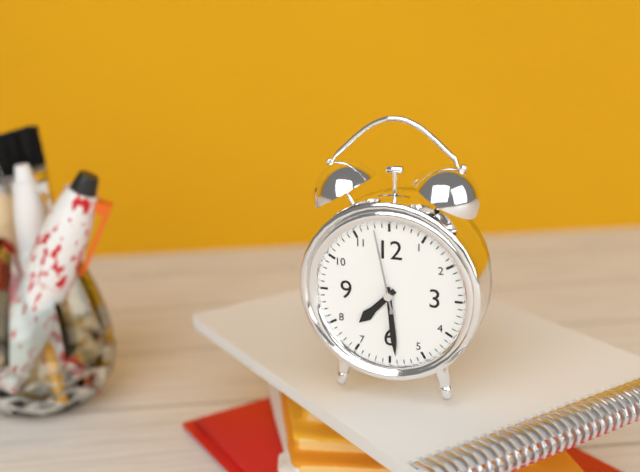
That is **7:29:58**
